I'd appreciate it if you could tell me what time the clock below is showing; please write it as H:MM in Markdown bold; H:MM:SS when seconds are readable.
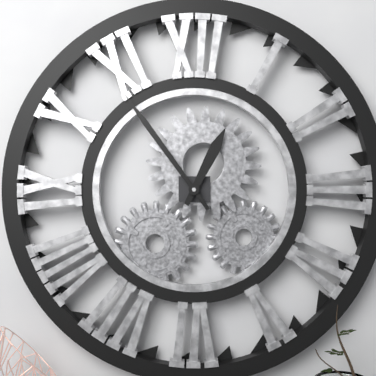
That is **12:54**
